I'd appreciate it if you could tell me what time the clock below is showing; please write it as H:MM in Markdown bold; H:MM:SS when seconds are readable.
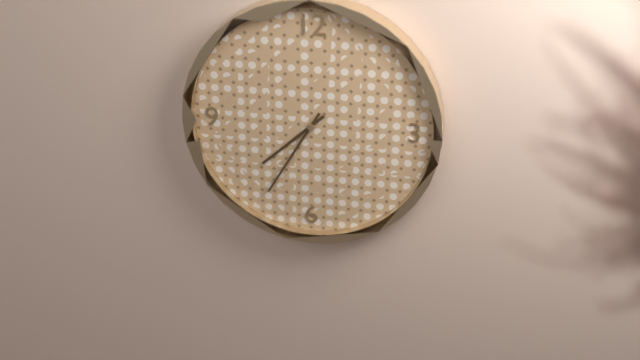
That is **7:35**
